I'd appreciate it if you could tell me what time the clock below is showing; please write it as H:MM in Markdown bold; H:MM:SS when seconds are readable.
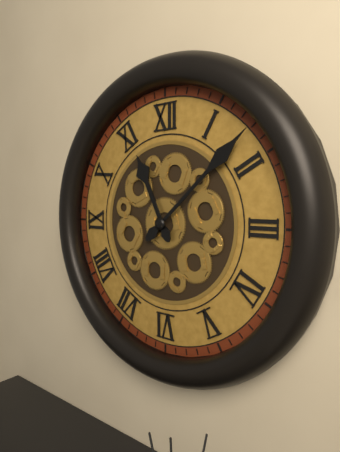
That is **11:08**
